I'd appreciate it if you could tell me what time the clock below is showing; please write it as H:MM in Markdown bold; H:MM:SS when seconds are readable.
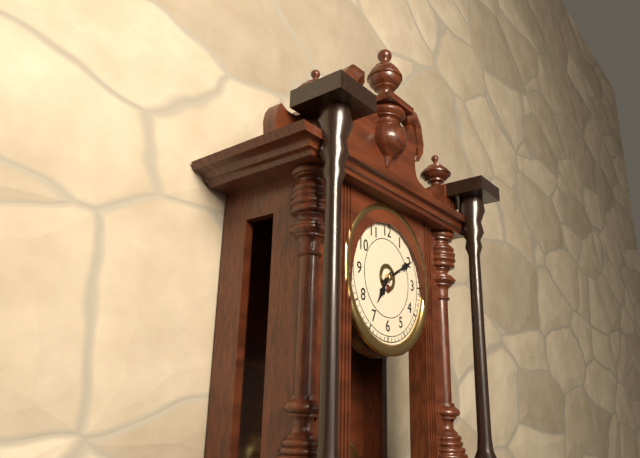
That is **7:10**
